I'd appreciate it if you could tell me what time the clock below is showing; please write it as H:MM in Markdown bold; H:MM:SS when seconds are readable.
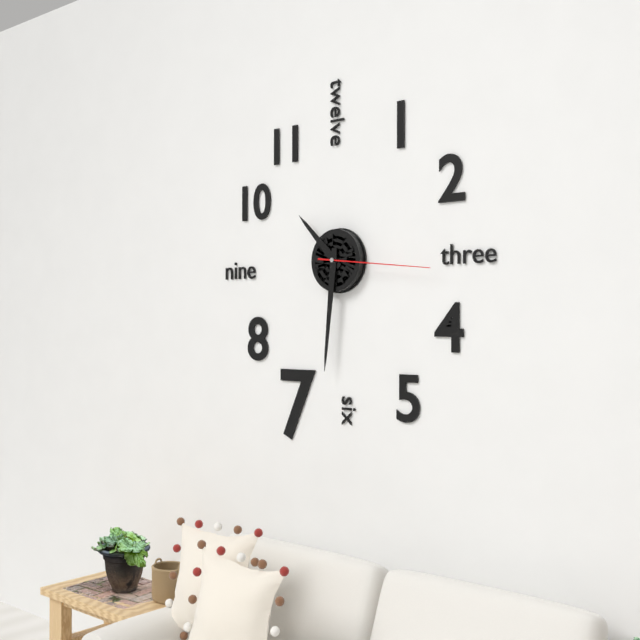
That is **10:31:16**
